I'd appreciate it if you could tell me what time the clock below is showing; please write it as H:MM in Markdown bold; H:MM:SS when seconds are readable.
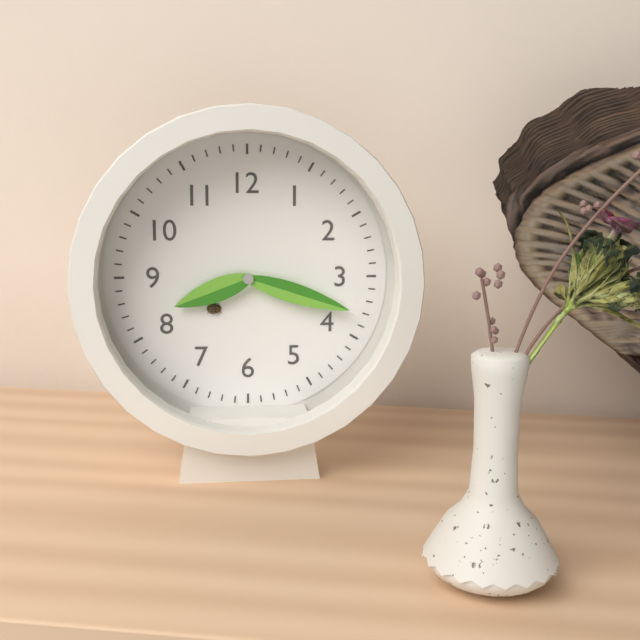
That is **8:18**
